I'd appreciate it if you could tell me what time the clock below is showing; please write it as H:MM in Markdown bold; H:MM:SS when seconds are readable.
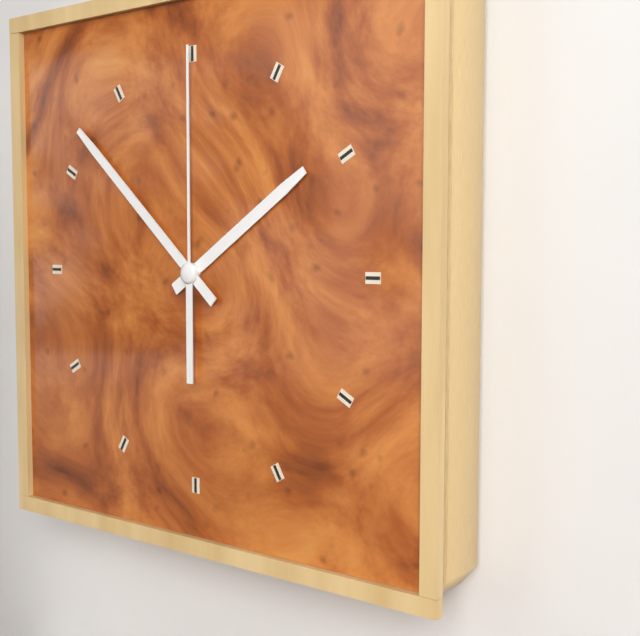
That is **1:52:00**
